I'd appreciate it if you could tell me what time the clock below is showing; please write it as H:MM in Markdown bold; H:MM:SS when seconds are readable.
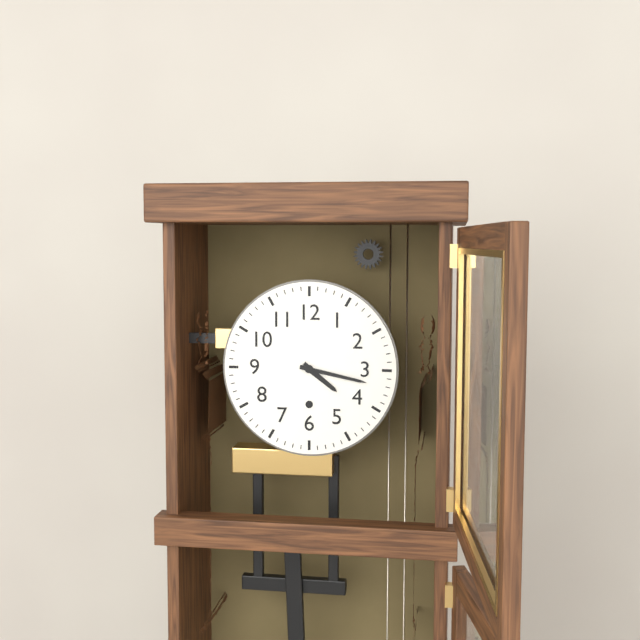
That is **4:17**
